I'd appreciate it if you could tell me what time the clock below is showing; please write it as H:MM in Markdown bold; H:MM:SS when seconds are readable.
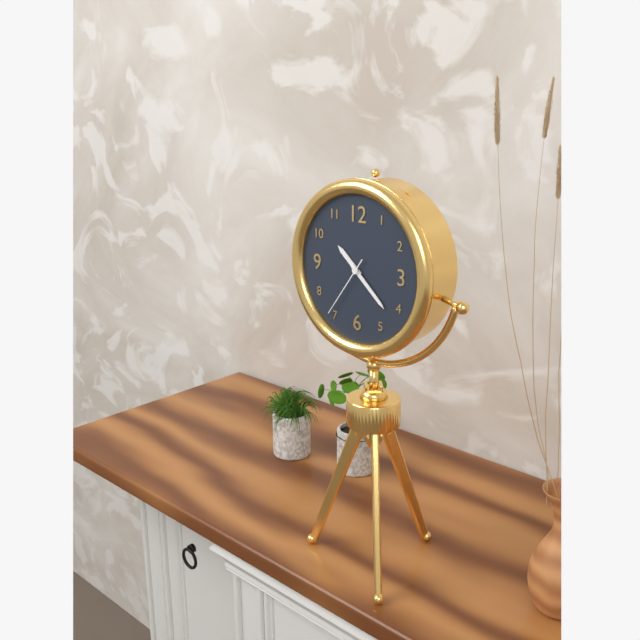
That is **10:22:36**
